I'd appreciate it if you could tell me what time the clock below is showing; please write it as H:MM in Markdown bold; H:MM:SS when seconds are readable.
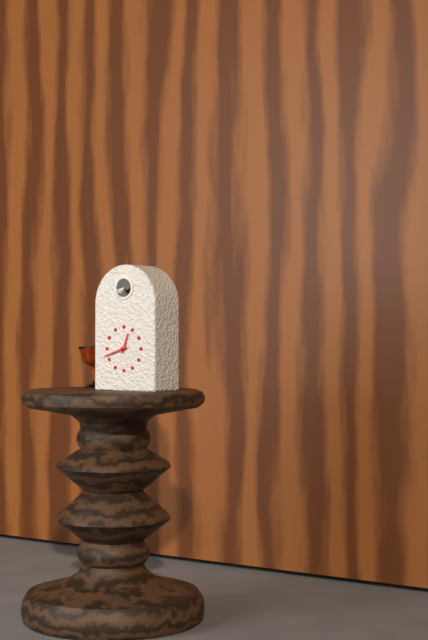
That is **12:42**
